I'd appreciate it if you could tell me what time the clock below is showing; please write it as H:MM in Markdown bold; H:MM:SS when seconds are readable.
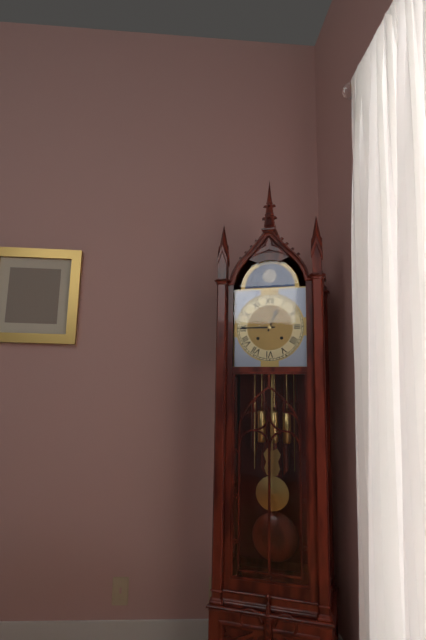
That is **12:45**
